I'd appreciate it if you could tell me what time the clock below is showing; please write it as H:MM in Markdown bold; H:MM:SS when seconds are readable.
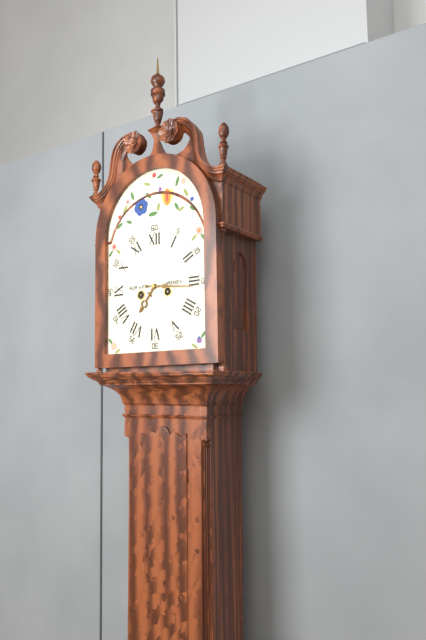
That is **7:16**
